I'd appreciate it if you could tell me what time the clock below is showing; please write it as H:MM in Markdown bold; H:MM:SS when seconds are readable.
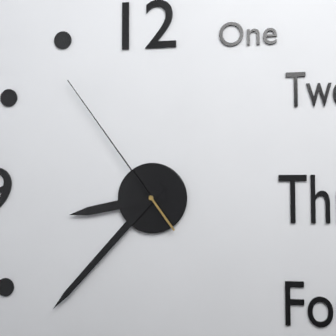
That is **8:37:54**
